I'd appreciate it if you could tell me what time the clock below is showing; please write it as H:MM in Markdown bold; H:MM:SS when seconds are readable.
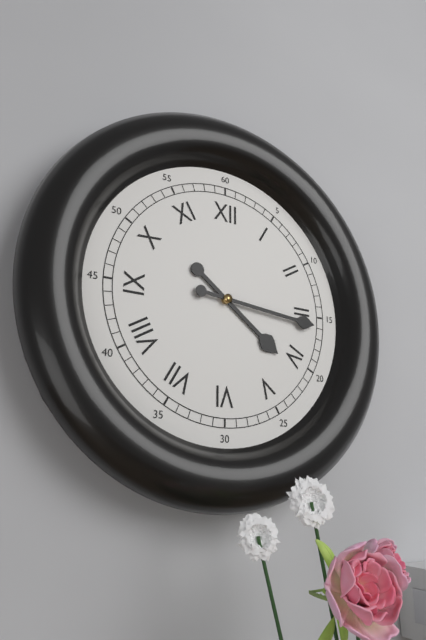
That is **4:16**
